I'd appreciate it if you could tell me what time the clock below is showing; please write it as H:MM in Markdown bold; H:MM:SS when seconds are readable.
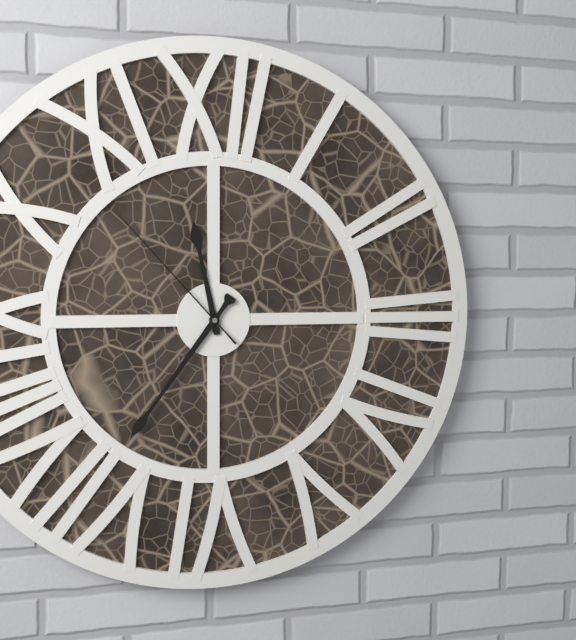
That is **11:36:53**
